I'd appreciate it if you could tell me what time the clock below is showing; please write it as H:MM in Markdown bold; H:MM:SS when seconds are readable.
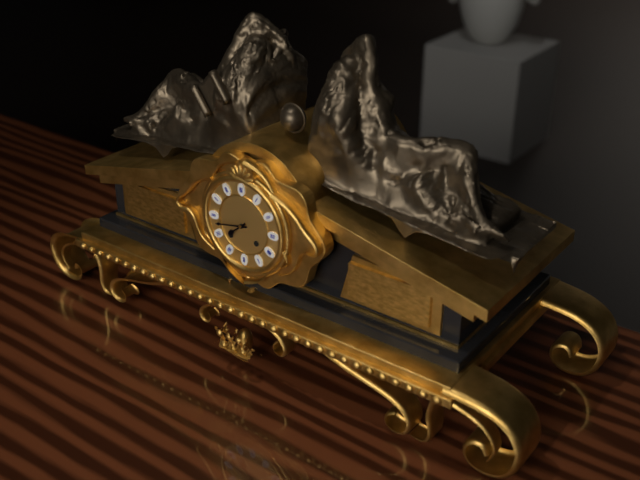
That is **7:43**
